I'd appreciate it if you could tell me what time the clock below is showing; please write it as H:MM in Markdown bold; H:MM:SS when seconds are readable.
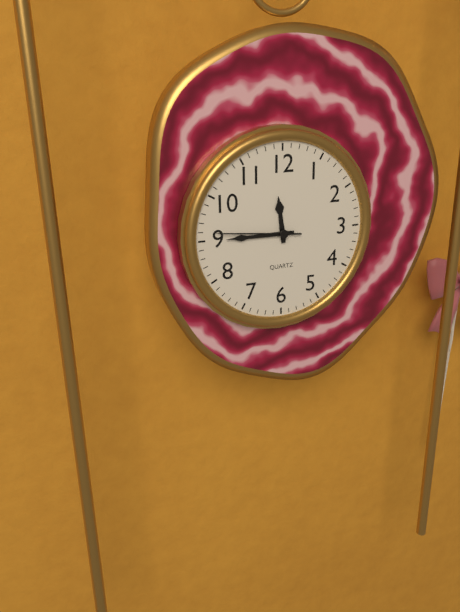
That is **11:45:46**
